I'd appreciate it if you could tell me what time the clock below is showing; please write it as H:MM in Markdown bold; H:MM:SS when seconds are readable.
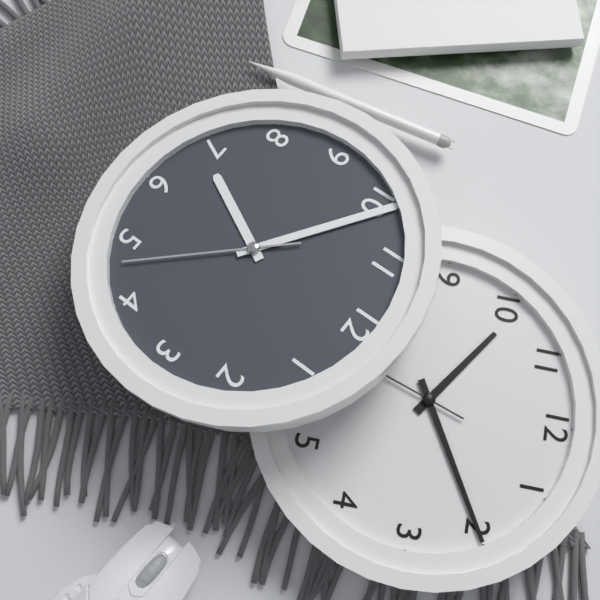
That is **6:51:23**
